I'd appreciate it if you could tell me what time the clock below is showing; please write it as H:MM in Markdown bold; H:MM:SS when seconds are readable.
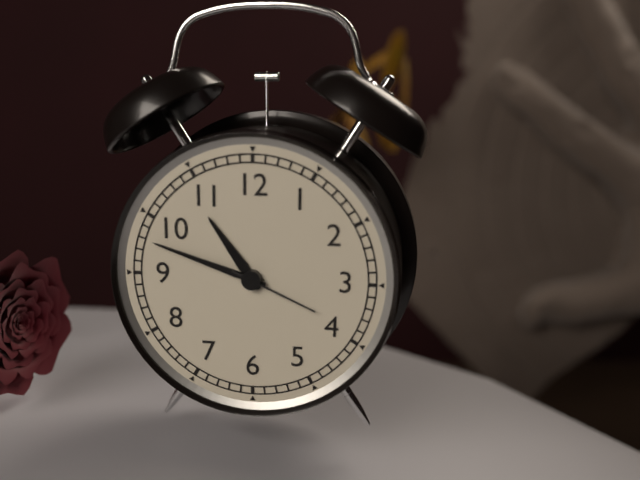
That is **10:48:19**
